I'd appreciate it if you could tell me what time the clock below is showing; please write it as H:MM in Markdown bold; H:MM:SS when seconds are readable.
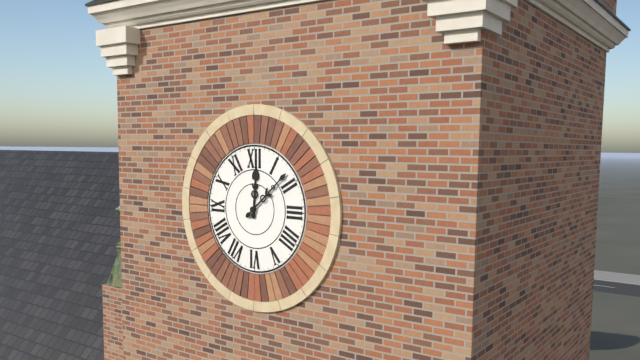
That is **12:08**
